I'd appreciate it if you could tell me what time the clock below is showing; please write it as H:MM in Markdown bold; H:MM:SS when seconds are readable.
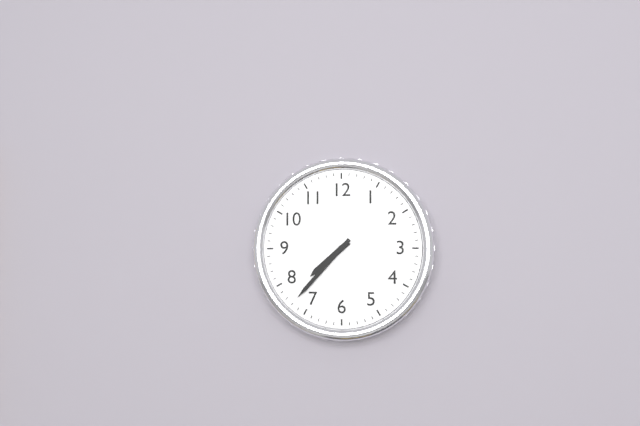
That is **7:37**
